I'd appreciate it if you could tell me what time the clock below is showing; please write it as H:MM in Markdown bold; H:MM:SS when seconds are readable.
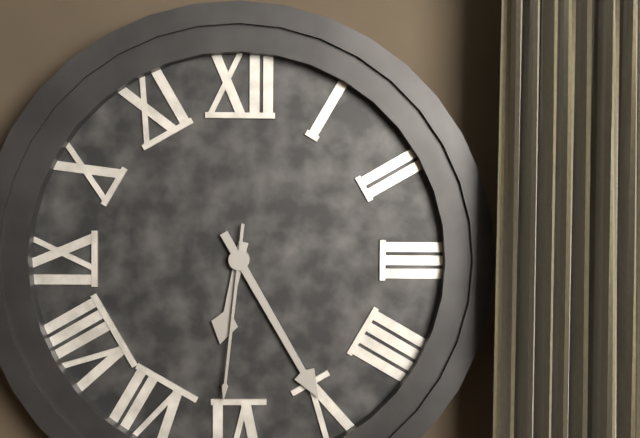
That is **6:25:31**
